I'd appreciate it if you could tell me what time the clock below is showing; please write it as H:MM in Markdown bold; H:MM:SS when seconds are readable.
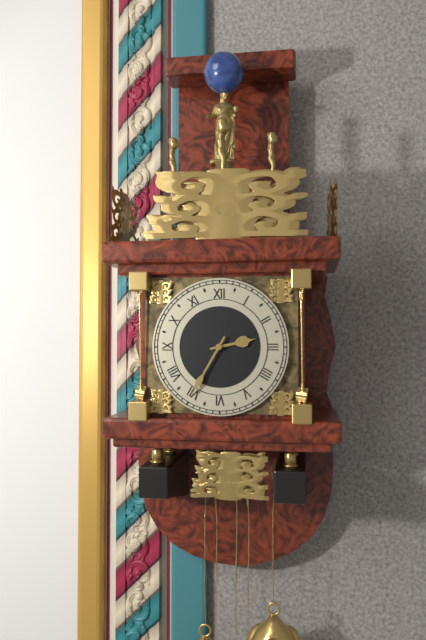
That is **2:35**
